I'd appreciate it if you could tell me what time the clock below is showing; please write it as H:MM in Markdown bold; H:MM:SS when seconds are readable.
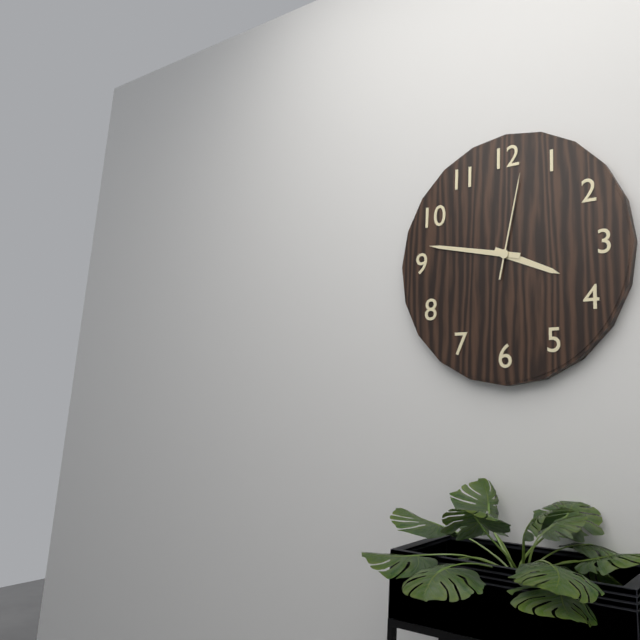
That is **3:47:02**
